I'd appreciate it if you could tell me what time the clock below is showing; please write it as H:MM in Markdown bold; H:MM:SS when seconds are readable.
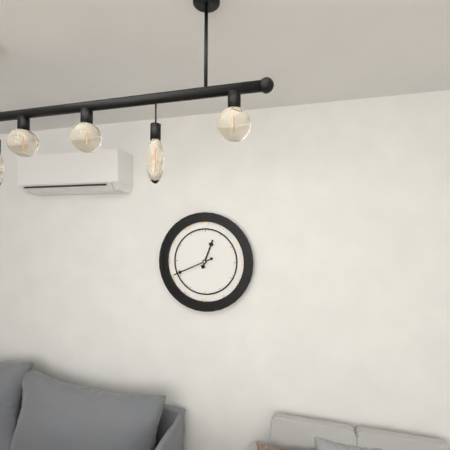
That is **12:41**
